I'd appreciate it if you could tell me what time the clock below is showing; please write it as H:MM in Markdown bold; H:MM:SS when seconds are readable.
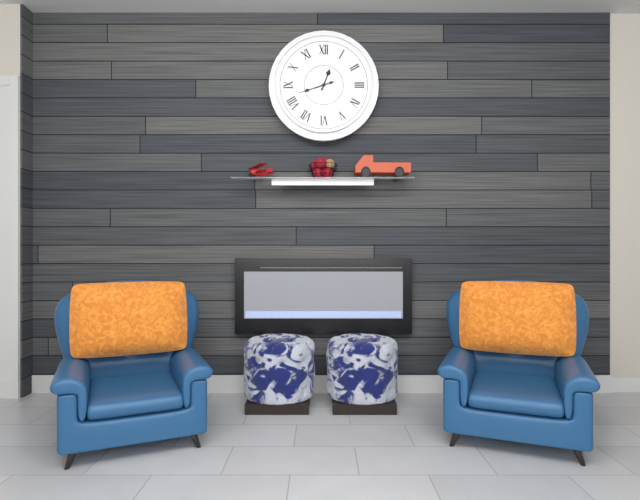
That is **12:42**
